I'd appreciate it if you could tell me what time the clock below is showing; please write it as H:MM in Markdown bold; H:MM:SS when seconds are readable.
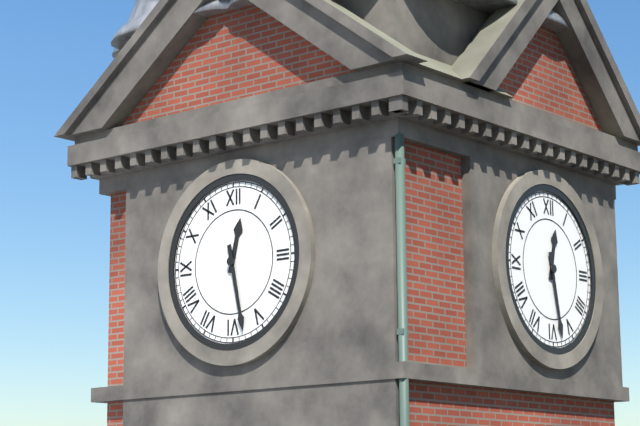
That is **12:28**
